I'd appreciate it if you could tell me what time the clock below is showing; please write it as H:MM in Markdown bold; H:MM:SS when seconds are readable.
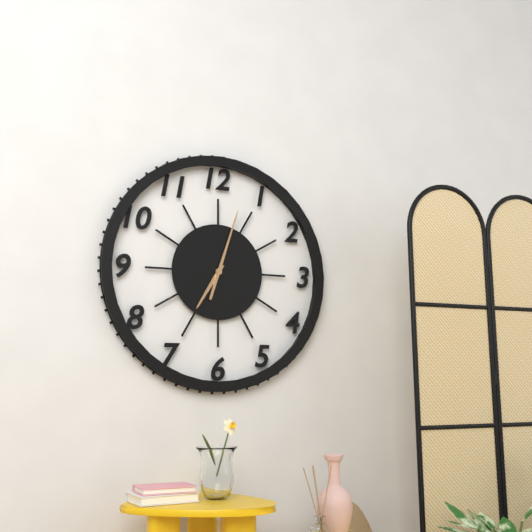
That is **7:03**
